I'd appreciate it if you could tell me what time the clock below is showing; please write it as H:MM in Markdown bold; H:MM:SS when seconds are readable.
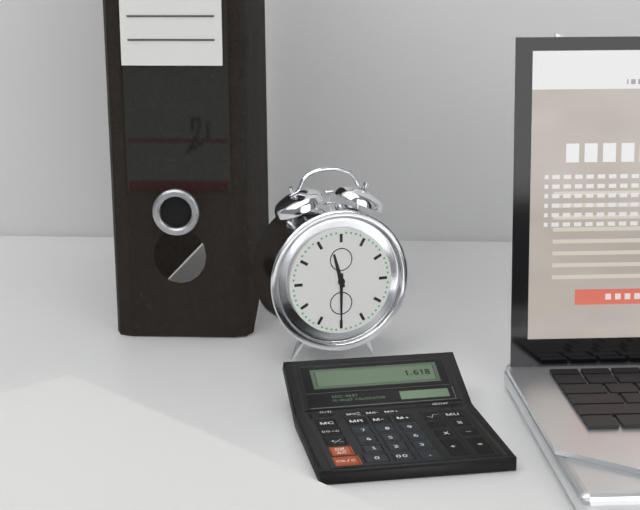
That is **11:30**
